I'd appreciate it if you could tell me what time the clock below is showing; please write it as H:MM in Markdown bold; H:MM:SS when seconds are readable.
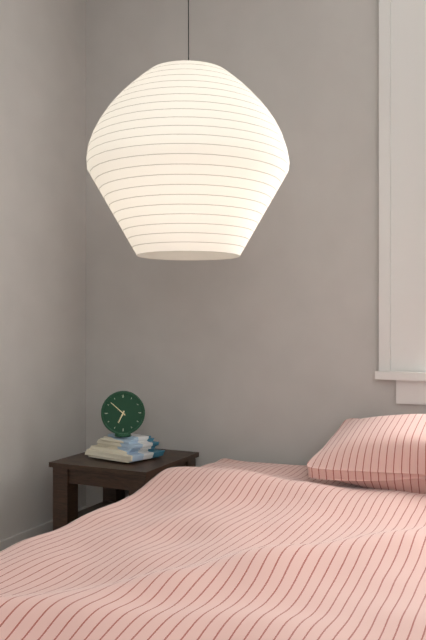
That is **6:52**
